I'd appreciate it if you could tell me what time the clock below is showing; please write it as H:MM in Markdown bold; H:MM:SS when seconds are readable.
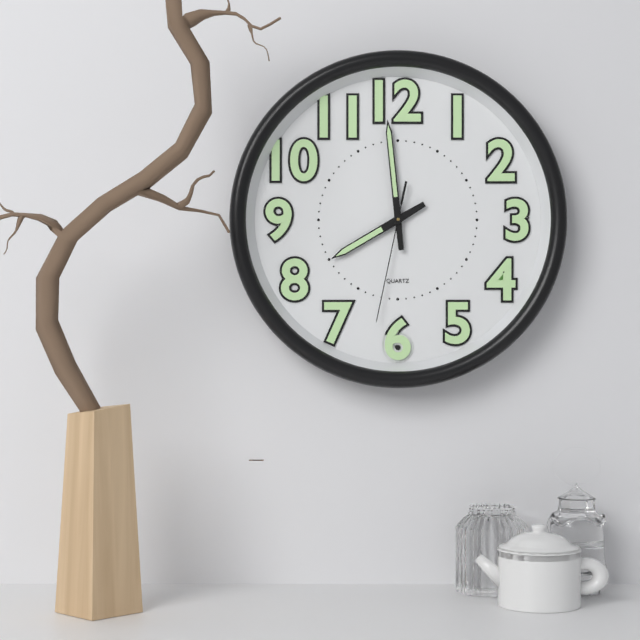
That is **7:59:32**
